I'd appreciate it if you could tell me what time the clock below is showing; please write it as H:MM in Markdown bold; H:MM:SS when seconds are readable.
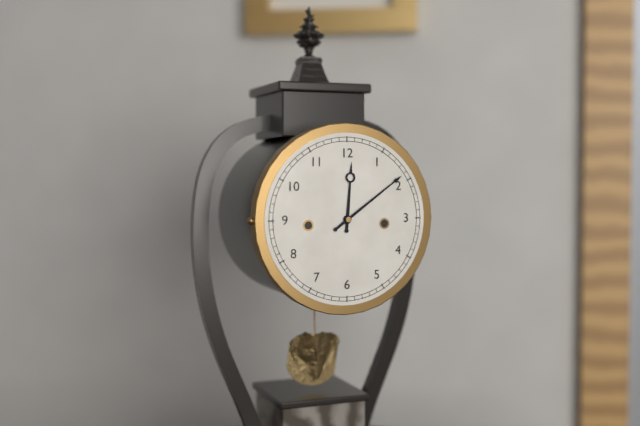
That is **12:09**
